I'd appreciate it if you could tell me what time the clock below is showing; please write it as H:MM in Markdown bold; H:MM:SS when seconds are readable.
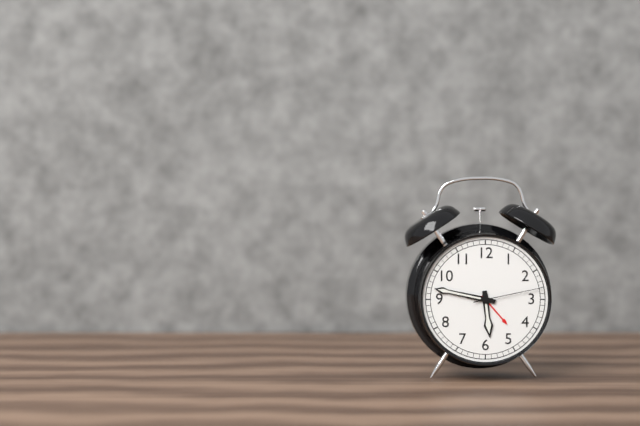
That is **5:47:13**
